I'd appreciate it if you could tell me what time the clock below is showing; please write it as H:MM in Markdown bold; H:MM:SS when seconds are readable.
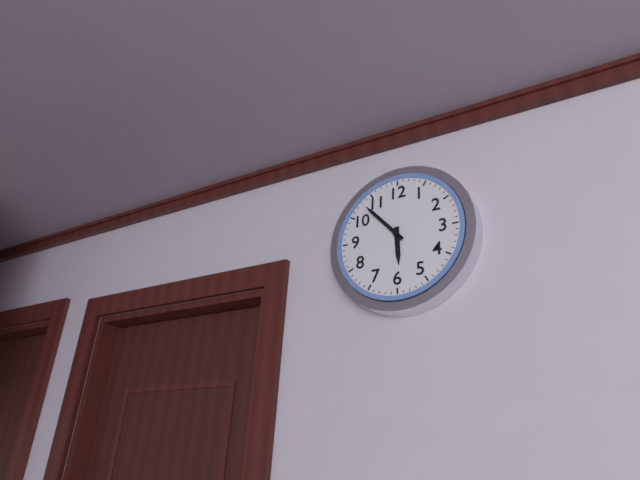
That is **5:53**
